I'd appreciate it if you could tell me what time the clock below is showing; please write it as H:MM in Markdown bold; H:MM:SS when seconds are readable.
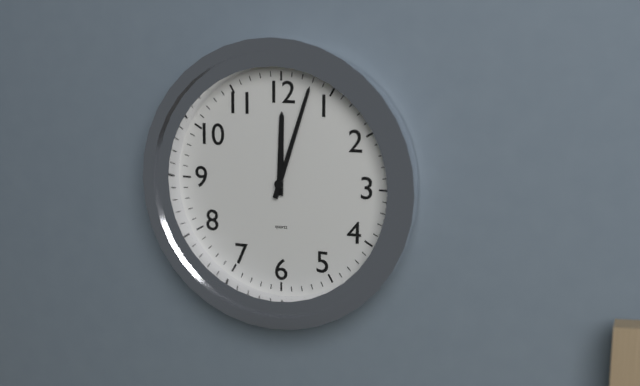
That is **12:03**
